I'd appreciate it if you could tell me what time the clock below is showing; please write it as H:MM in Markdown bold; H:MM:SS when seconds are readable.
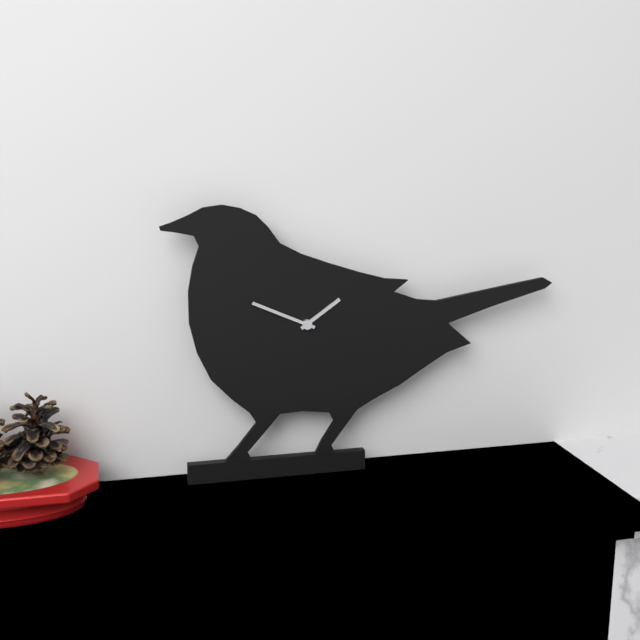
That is **1:49**
